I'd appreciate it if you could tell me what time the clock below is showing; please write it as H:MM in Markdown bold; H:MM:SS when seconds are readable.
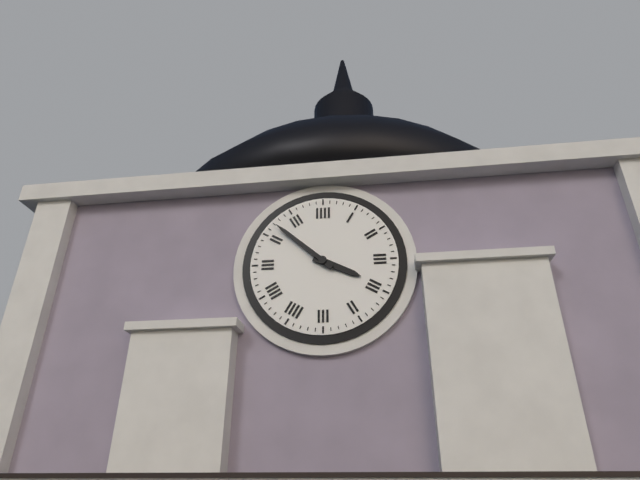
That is **3:52**
